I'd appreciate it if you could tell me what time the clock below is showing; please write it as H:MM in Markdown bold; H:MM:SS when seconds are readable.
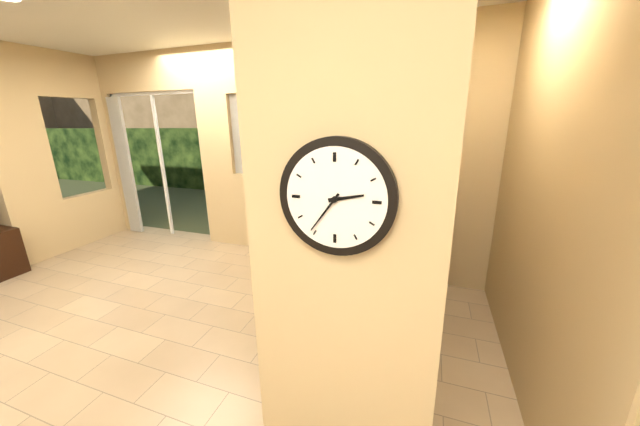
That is **2:36**
